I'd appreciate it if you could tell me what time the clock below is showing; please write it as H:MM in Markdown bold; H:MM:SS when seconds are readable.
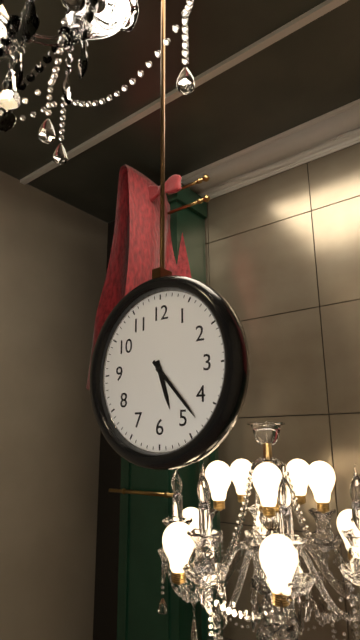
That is **5:23**
